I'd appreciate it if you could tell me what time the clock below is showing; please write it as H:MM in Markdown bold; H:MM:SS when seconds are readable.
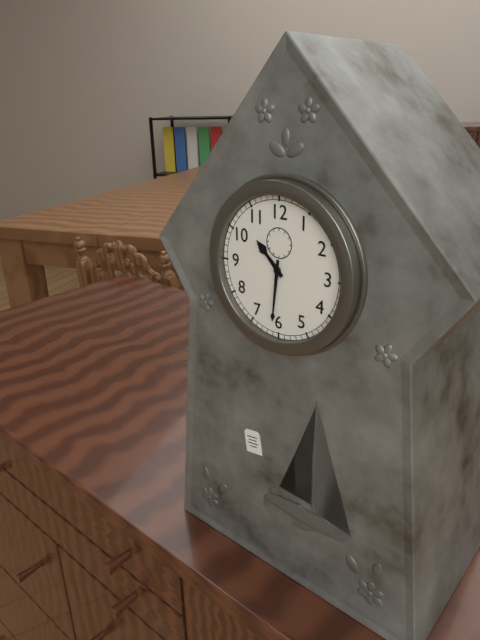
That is **10:31**
